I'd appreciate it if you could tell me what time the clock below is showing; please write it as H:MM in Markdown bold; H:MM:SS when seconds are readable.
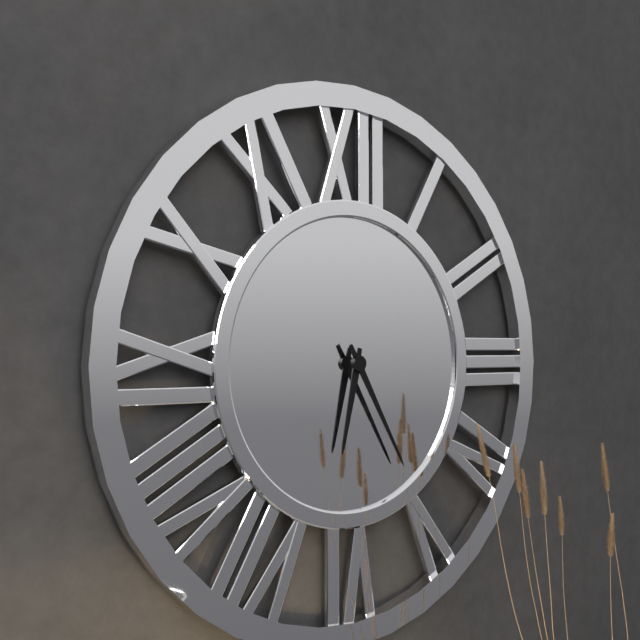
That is **6:25**
